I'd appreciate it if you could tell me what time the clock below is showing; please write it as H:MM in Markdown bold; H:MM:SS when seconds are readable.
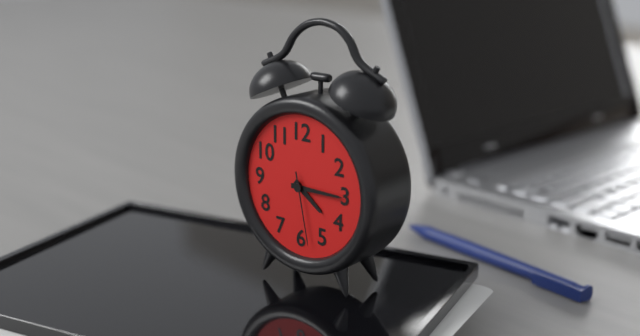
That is **4:15:28**
